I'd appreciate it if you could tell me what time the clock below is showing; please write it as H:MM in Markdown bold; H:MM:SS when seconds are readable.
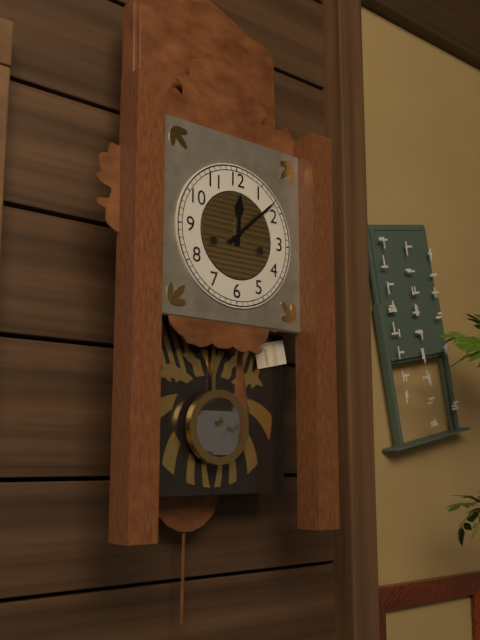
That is **12:08**
